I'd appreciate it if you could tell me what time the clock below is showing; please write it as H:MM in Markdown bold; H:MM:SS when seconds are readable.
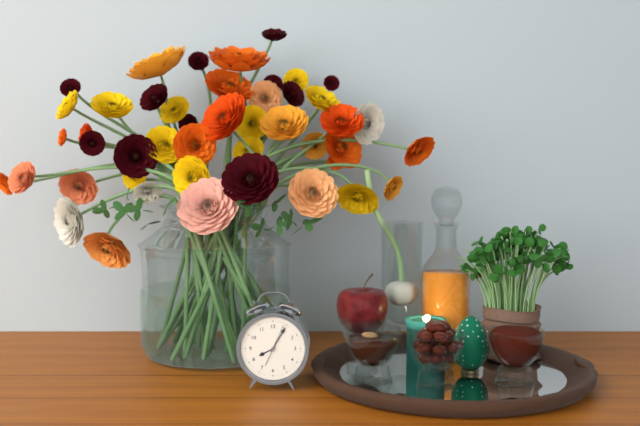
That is **8:05**
